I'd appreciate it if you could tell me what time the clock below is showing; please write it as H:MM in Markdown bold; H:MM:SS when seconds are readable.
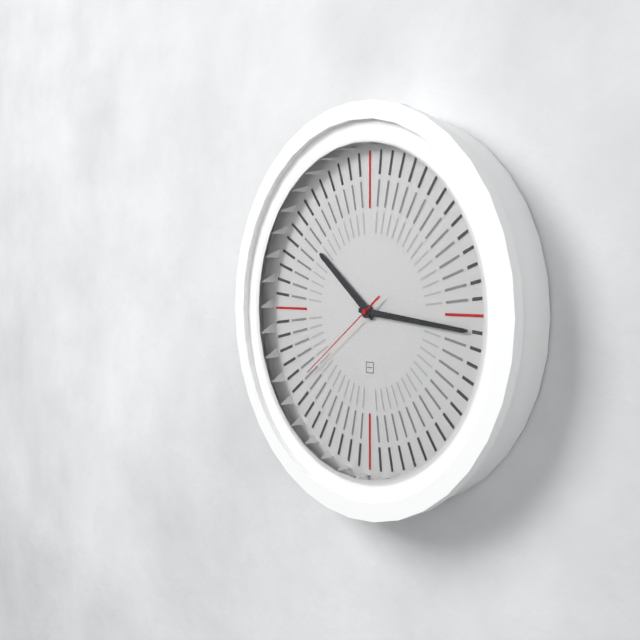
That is **10:16:39**
